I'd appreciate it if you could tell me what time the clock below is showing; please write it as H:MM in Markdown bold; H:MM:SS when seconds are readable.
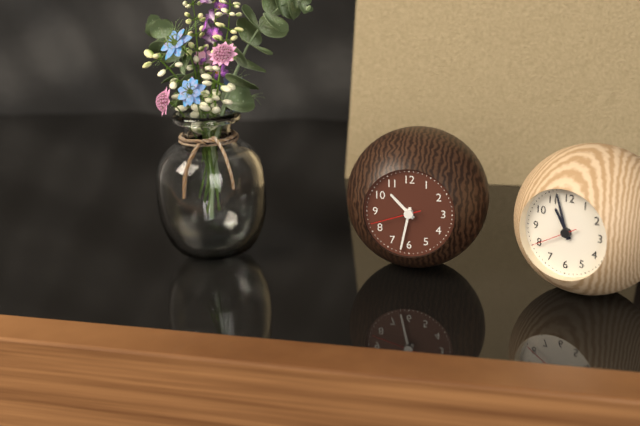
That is **10:32**
